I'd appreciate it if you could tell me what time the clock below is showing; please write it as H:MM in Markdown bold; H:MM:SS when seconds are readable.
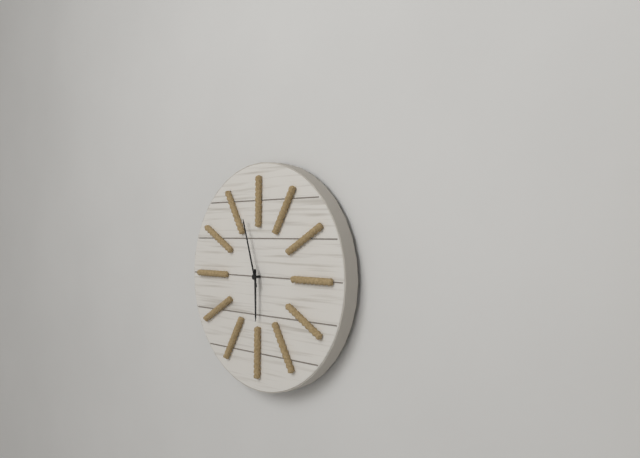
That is **5:57**
